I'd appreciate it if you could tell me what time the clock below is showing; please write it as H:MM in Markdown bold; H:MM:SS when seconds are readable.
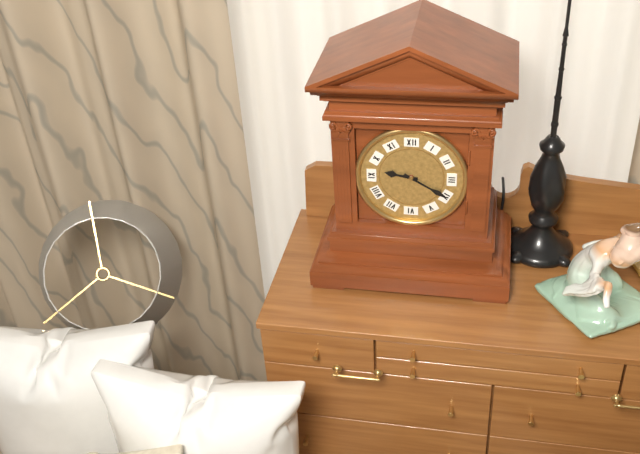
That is **9:20**
